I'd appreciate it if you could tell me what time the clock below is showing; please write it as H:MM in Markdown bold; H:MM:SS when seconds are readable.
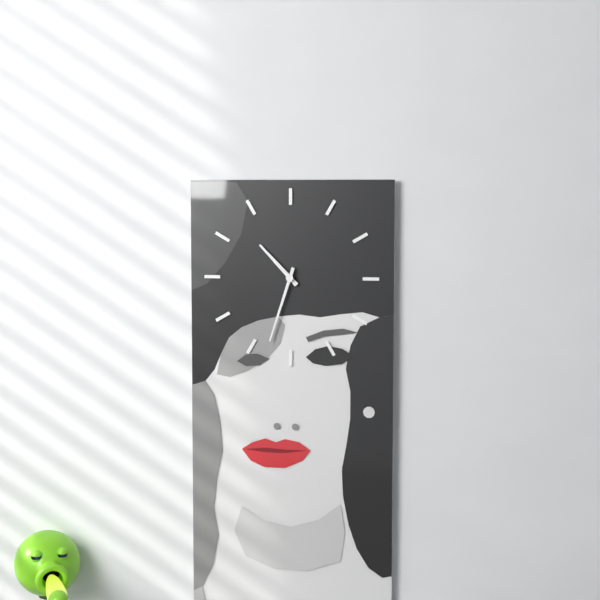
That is **10:33**
